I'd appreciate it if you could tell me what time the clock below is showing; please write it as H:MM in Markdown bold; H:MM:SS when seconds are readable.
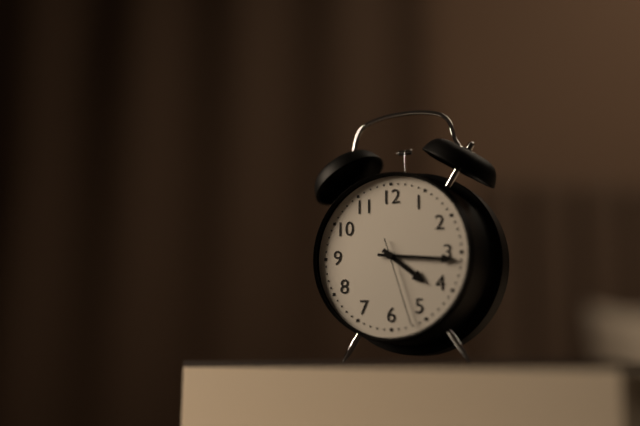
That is **4:16:27**
